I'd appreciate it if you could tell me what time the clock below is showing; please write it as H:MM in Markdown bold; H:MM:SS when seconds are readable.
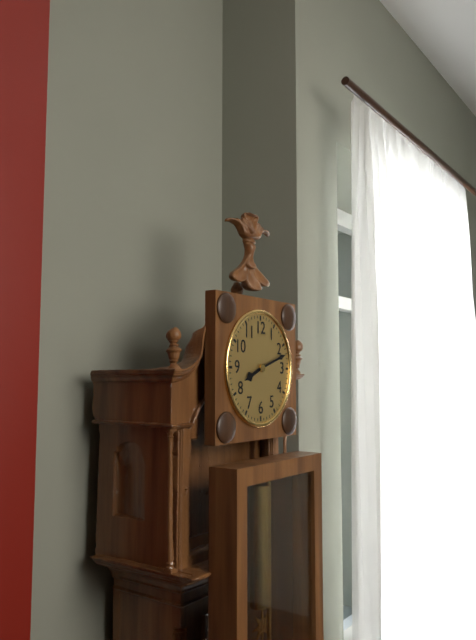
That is **8:12**
